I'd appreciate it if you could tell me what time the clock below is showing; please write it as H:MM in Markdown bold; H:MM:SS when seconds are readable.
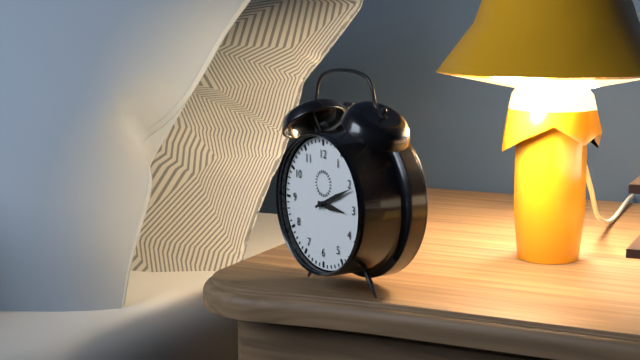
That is **3:11**
